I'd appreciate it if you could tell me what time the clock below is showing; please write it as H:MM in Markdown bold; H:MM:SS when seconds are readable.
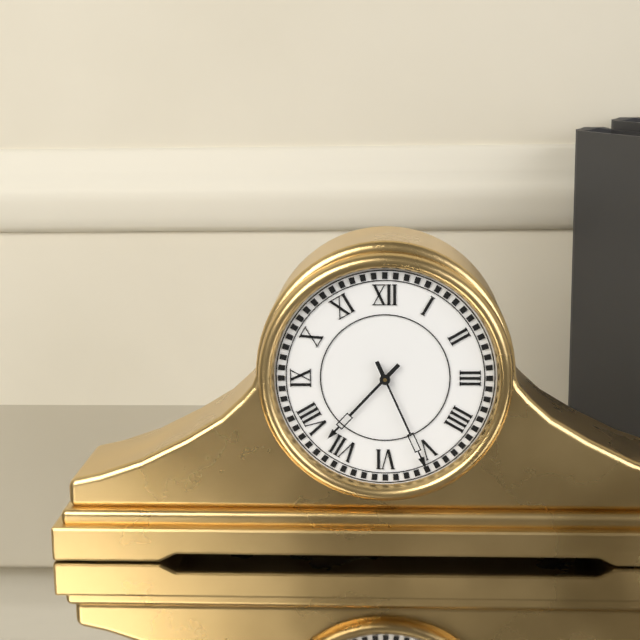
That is **7:26**
